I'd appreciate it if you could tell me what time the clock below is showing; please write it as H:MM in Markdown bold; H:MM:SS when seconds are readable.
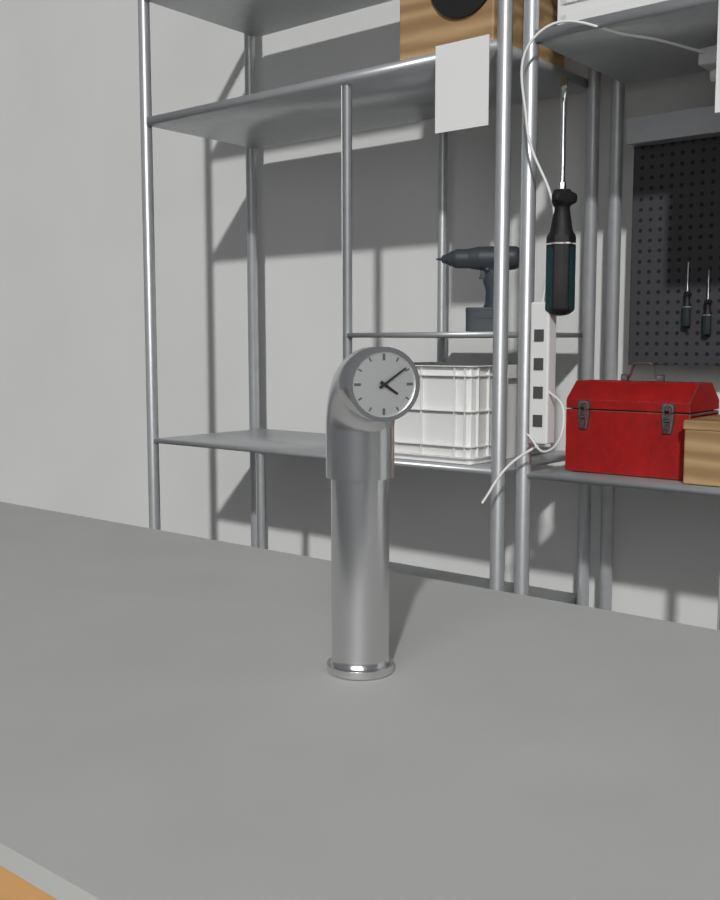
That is **4:09**
